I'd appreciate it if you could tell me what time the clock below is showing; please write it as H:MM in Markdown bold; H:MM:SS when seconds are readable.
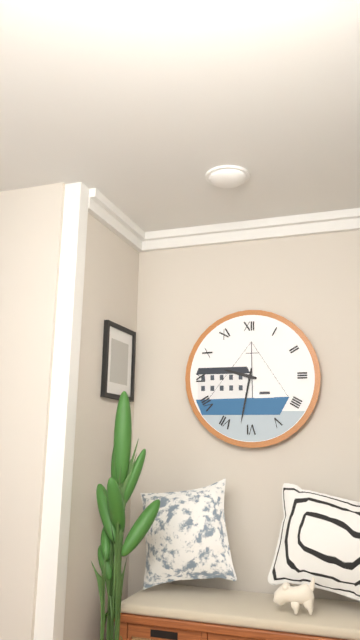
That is **9:32**
